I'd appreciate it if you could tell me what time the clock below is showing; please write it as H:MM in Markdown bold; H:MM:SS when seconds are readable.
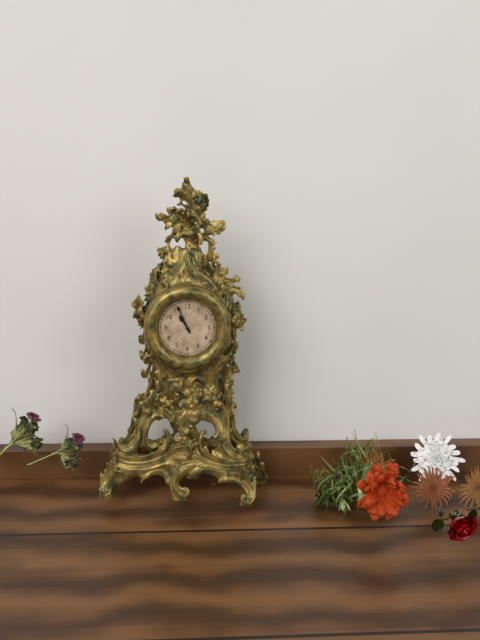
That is **10:56**
